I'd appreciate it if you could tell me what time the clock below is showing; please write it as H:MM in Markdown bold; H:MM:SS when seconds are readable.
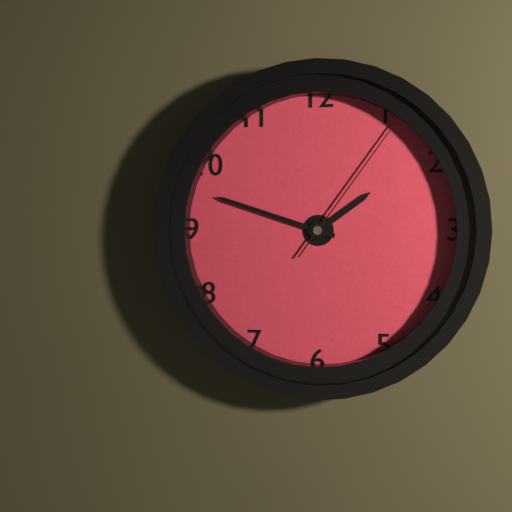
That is **1:48:06**
